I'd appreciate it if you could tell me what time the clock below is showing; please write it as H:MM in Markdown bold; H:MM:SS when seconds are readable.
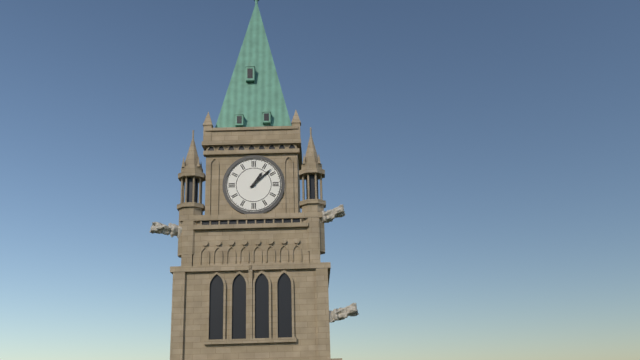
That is **1:08**
